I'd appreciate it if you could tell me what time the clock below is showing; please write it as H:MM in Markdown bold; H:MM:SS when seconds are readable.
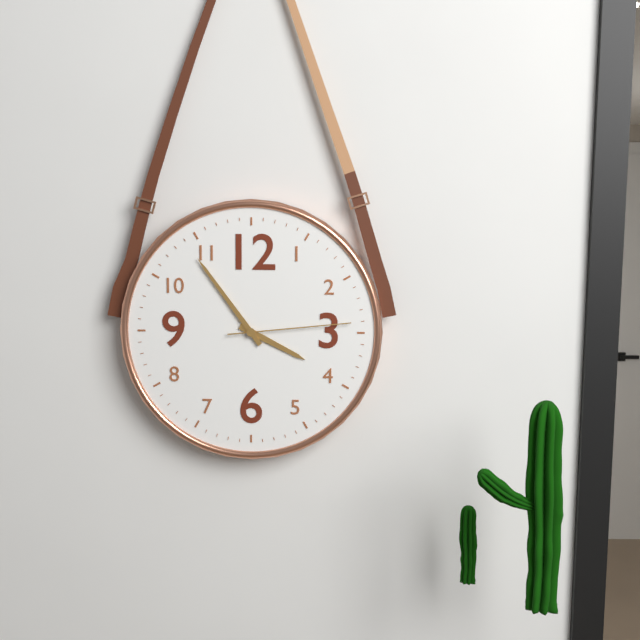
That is **3:54:14**
